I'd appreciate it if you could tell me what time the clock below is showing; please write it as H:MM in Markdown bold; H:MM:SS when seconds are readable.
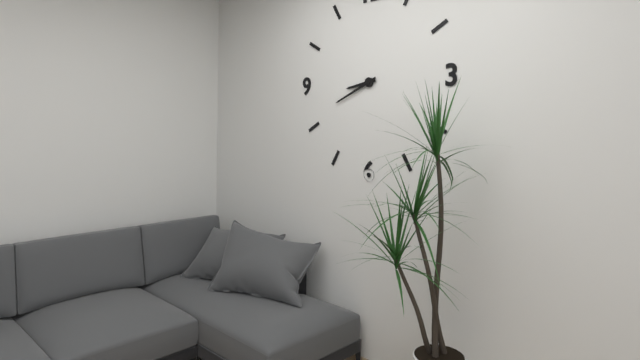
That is **8:41**
